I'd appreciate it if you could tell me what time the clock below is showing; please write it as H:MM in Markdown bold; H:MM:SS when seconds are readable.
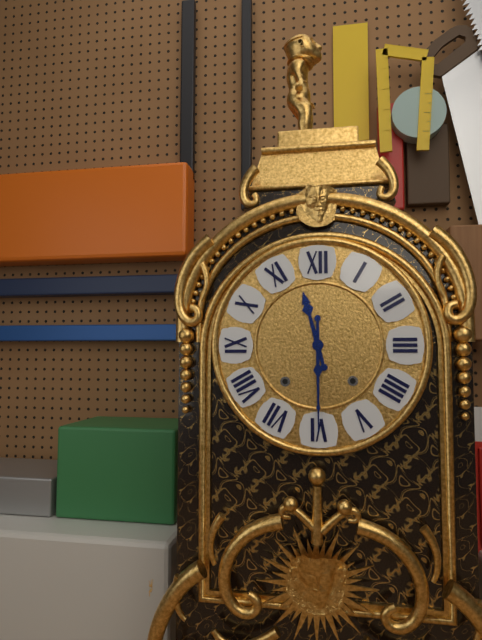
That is **11:30**
